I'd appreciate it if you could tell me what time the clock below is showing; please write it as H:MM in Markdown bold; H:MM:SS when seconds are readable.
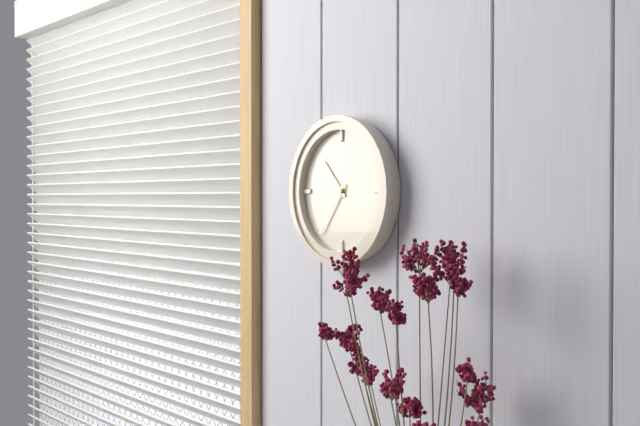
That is **10:36**
